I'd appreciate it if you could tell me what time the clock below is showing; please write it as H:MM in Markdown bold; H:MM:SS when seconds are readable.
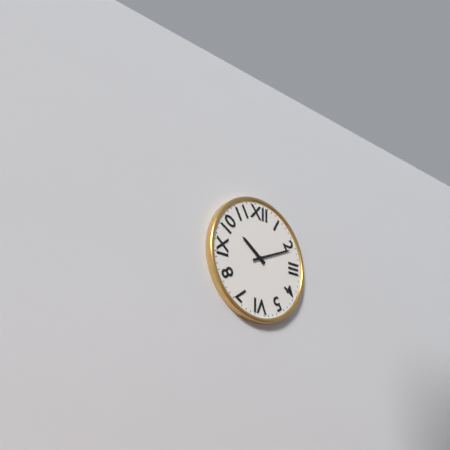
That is **10:11**
